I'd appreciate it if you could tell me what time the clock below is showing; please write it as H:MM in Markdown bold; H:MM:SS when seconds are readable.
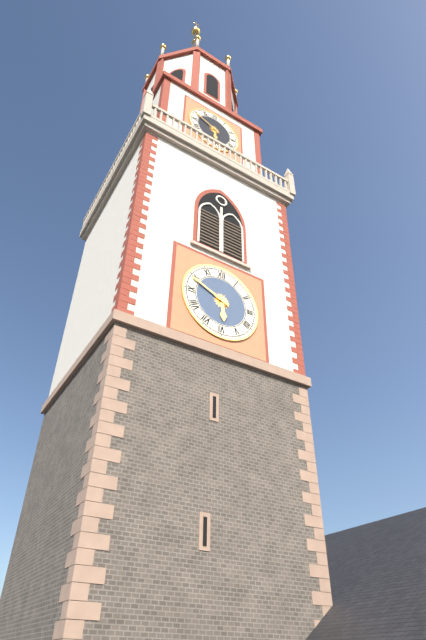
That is **5:49**
